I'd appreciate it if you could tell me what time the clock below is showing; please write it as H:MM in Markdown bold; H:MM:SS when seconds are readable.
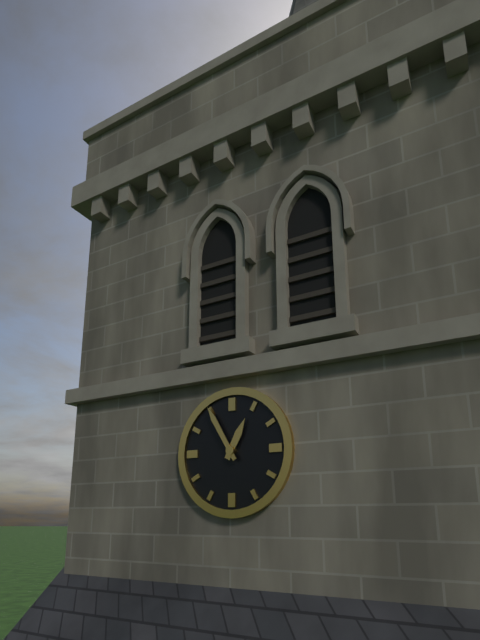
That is **12:55**
